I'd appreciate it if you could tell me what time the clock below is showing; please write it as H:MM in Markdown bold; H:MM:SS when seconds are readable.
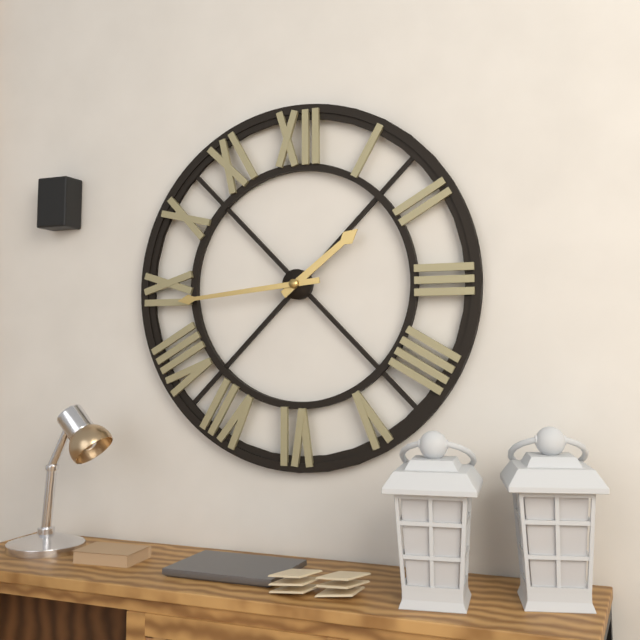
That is **1:44**
